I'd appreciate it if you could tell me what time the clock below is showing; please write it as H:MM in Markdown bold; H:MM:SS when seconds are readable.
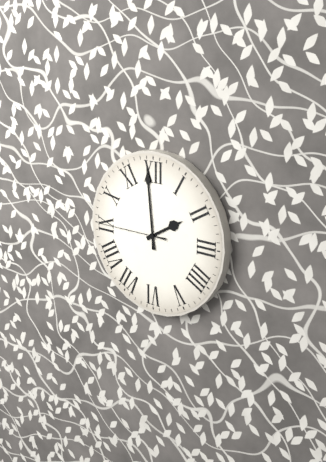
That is **1:59:45**
